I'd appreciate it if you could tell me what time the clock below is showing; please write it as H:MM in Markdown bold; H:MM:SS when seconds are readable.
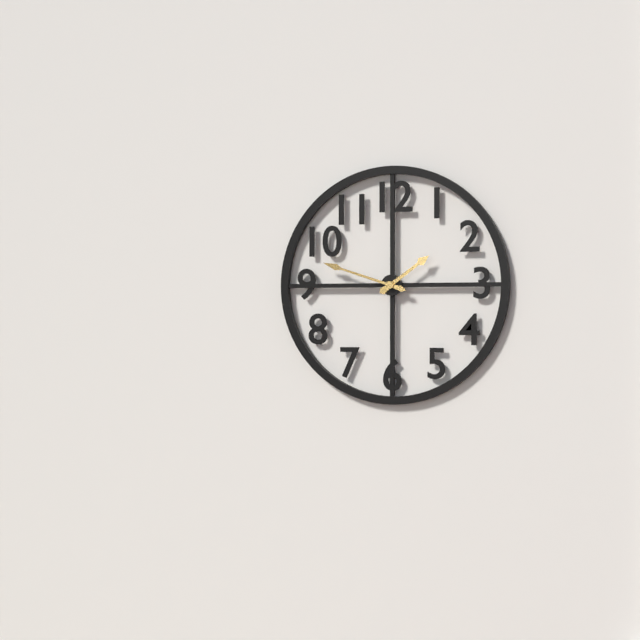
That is **1:48**
